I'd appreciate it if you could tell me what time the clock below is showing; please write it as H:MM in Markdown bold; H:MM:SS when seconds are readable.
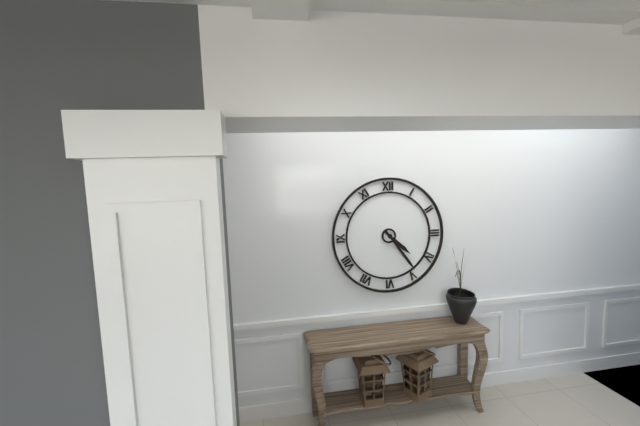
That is **4:24**
